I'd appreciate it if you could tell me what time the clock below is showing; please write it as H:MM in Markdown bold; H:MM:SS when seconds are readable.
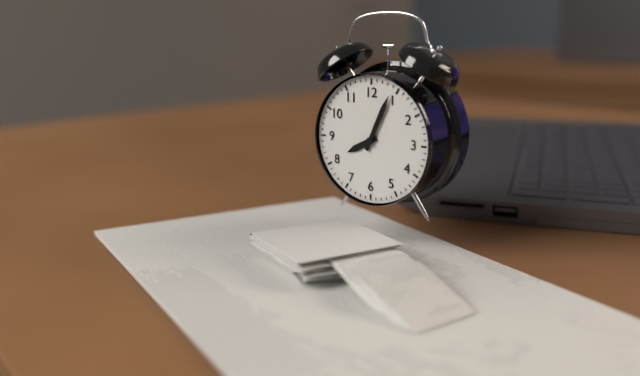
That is **8:04**
